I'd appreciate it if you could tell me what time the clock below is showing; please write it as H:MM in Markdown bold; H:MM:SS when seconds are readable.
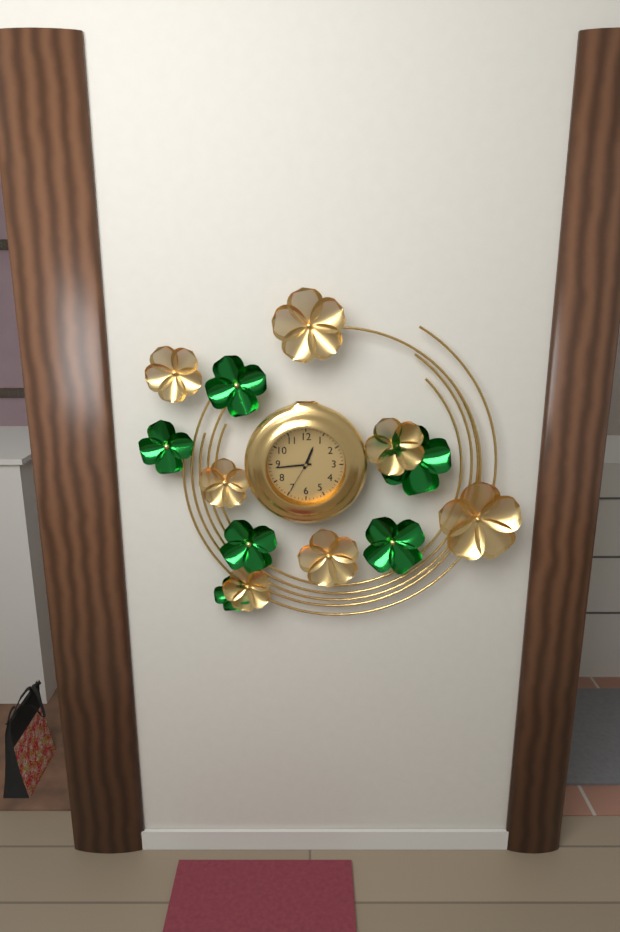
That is **12:44**
